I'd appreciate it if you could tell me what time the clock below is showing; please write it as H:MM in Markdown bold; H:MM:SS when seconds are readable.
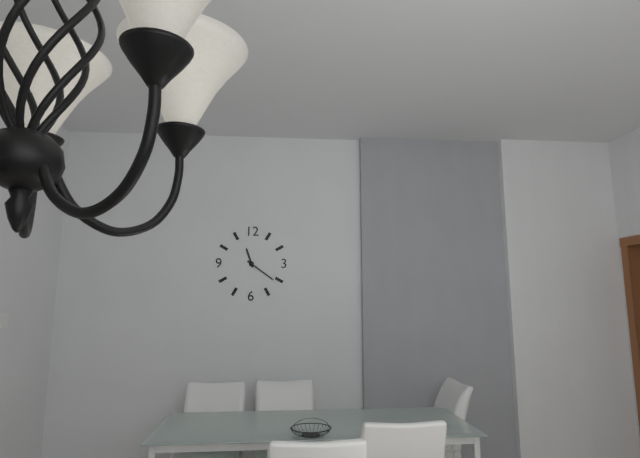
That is **11:21**
